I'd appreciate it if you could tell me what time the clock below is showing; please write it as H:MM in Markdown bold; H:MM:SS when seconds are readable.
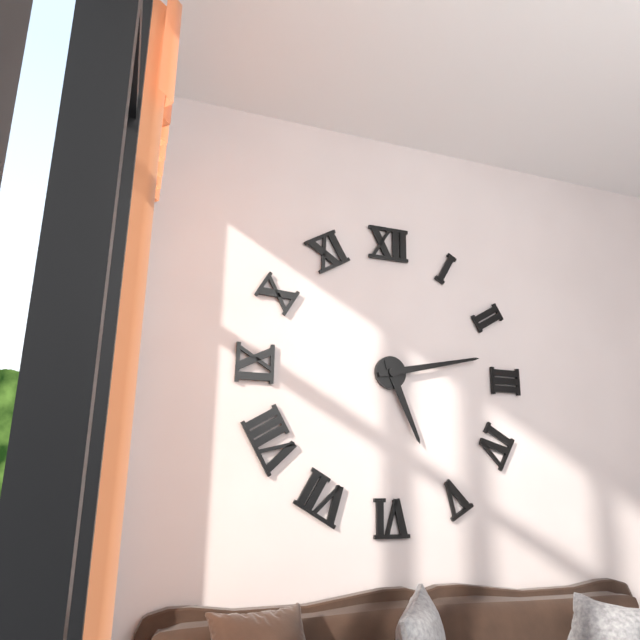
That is **5:13**
